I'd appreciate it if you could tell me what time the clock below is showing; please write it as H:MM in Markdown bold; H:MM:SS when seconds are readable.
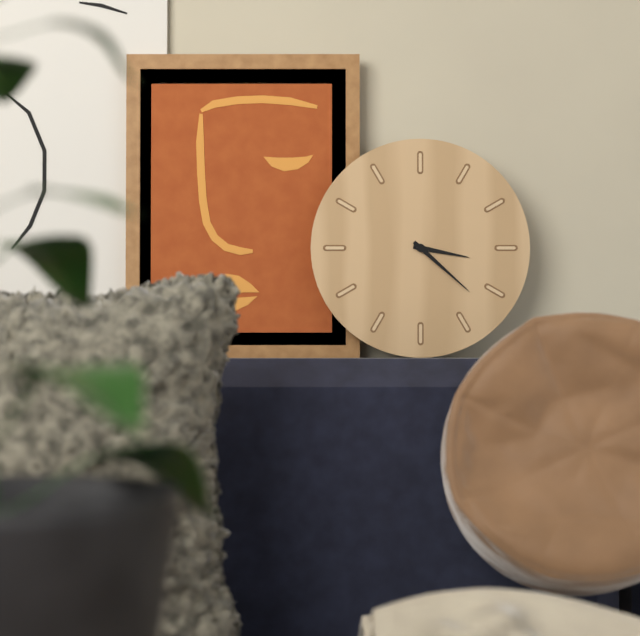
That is **3:22**
